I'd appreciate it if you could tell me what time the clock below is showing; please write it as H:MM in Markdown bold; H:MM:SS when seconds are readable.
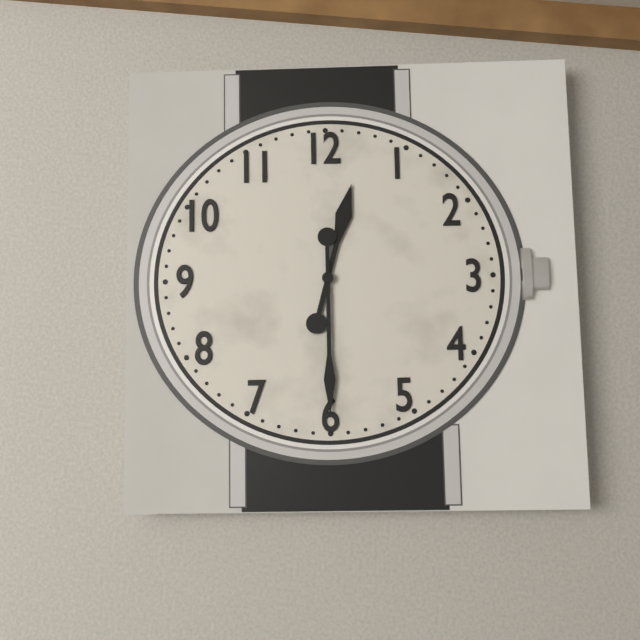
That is **12:30**
